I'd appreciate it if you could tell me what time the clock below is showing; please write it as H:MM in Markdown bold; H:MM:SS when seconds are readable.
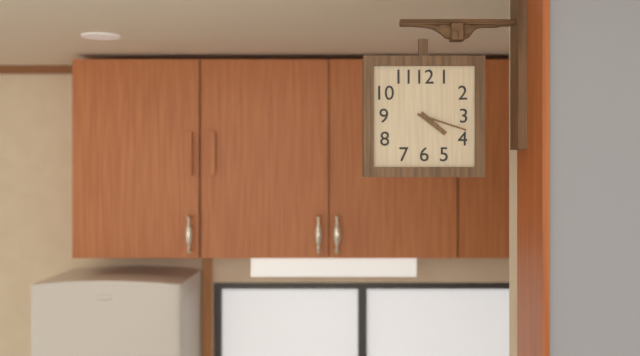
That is **4:18**
